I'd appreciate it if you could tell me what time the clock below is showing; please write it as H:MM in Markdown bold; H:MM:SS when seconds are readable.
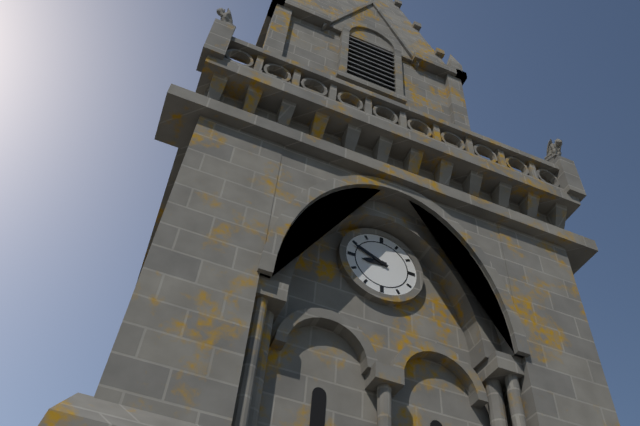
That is **8:49**
